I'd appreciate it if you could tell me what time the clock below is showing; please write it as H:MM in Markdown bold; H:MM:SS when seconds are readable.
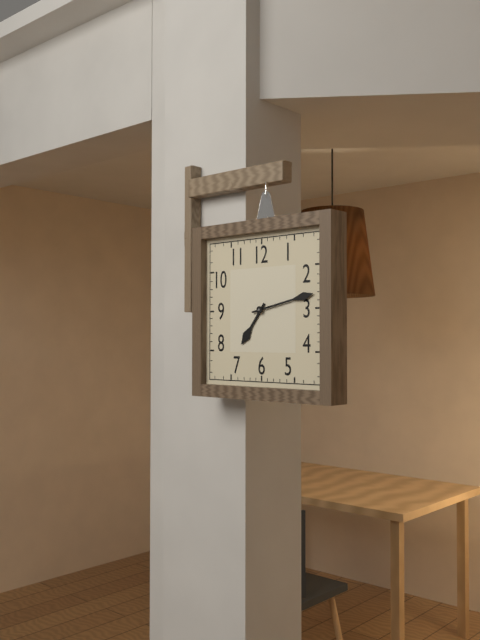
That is **7:13**
